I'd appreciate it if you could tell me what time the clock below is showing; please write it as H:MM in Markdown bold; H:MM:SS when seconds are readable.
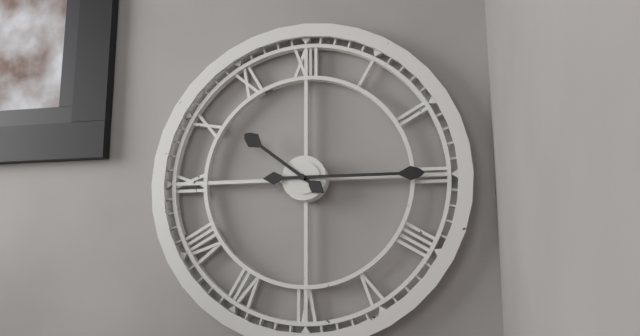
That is **10:15**
